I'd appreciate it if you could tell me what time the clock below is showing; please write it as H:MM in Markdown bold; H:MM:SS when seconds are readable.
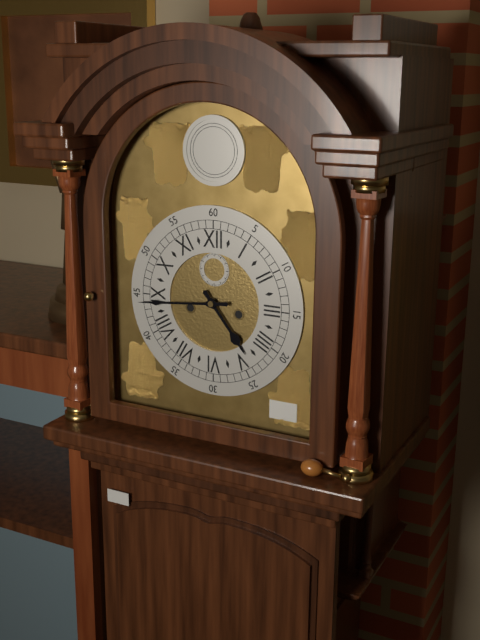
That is **4:44**
